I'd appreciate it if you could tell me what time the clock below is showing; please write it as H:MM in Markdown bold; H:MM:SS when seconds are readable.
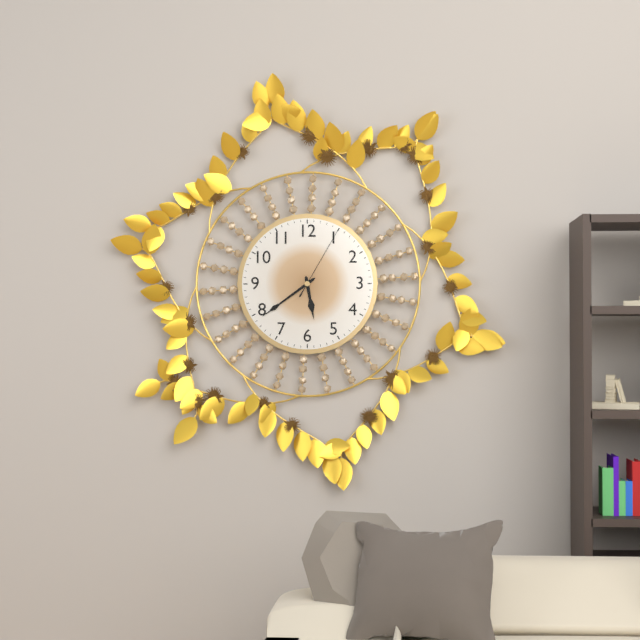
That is **5:39:05**
